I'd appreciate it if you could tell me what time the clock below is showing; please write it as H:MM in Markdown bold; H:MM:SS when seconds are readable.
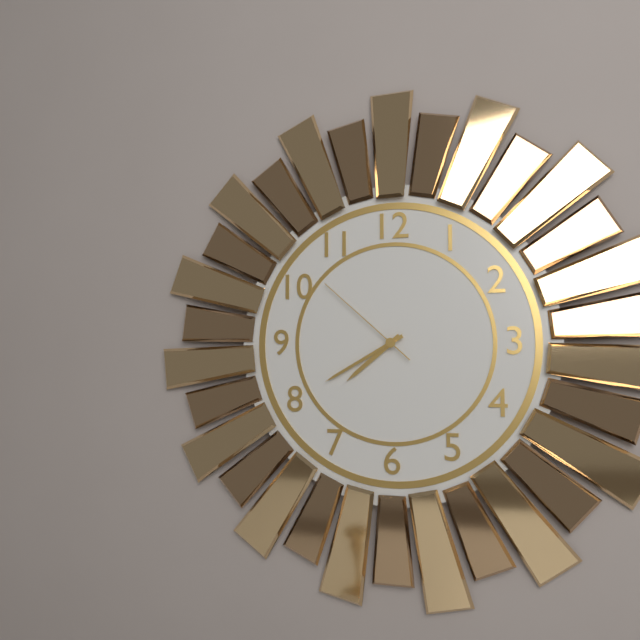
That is **7:40:52**
